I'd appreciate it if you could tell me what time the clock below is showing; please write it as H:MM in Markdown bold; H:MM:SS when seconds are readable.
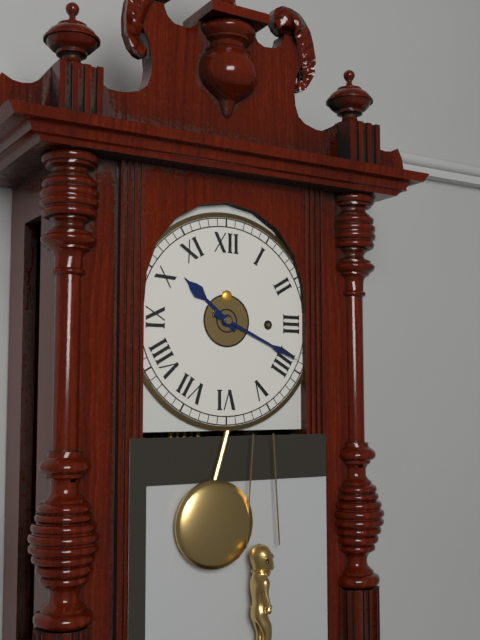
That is **10:19**
